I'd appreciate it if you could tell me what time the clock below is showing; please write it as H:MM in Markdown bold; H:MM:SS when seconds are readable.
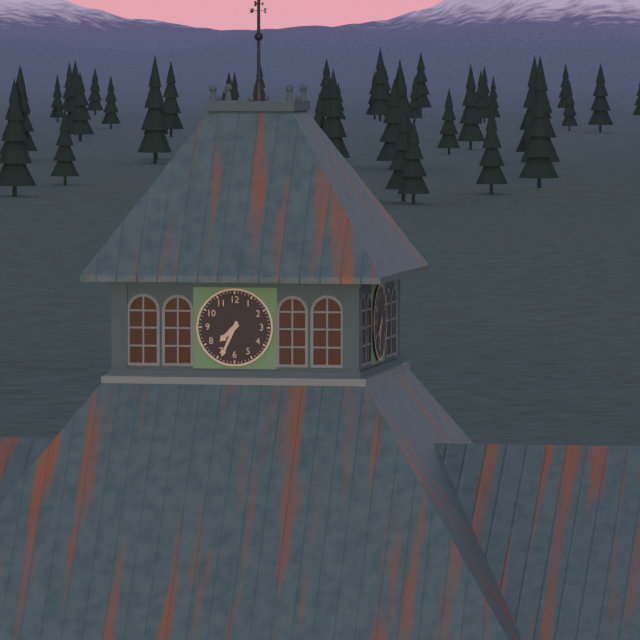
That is **7:34**
